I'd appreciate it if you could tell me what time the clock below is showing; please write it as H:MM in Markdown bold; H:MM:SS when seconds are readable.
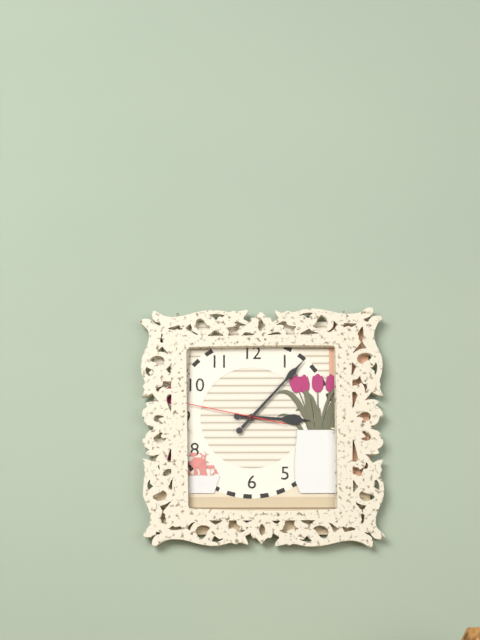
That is **3:07:47**
